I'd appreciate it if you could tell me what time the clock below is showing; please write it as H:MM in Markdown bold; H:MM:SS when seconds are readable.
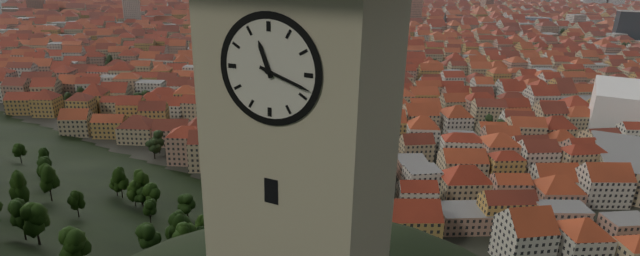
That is **11:18**
